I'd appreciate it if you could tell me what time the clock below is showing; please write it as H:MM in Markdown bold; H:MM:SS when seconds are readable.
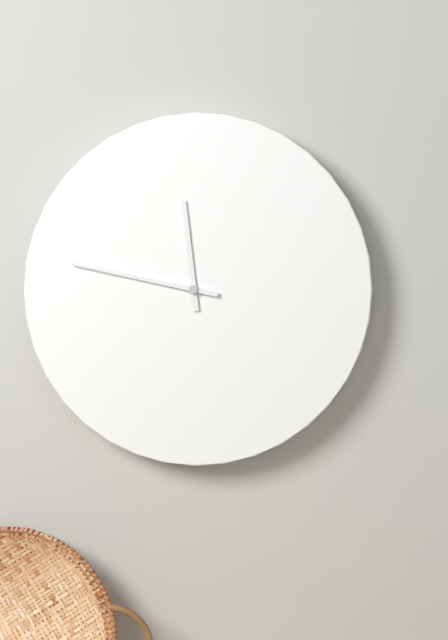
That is **11:47**
